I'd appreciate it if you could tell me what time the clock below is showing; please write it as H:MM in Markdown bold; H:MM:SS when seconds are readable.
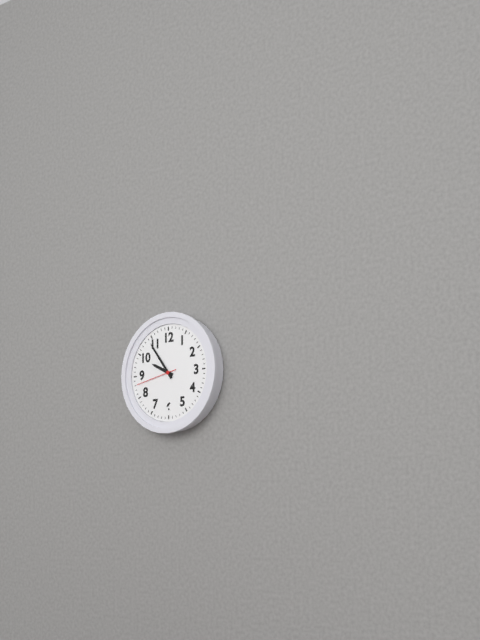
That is **9:54**
